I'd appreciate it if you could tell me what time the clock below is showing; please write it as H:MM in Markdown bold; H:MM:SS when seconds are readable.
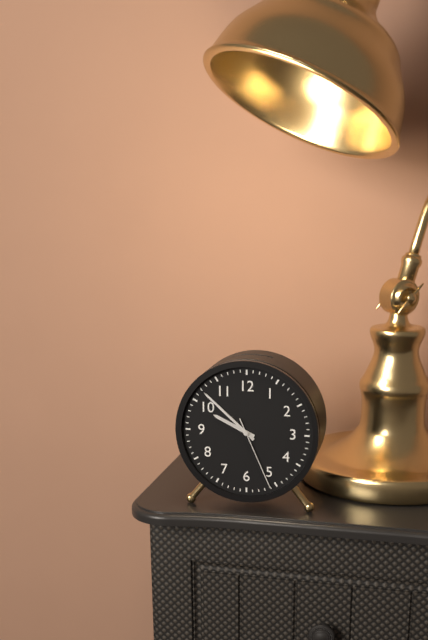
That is **9:52:26**
